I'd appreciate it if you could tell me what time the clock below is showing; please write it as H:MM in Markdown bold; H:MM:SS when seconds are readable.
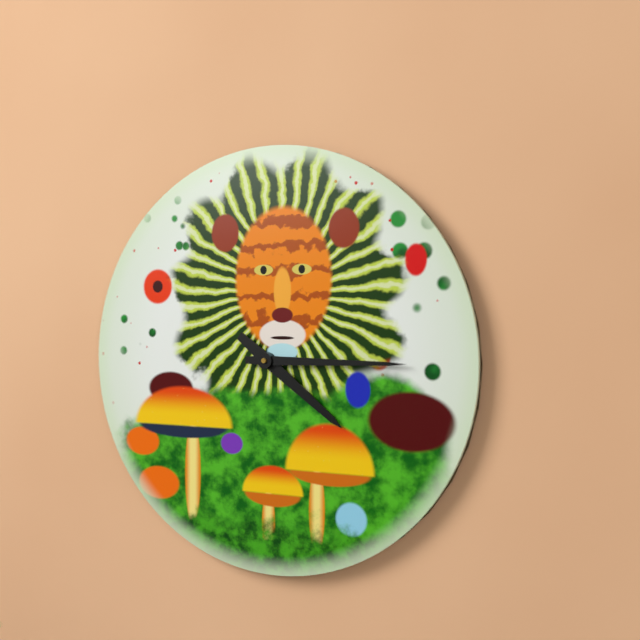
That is **4:15**
